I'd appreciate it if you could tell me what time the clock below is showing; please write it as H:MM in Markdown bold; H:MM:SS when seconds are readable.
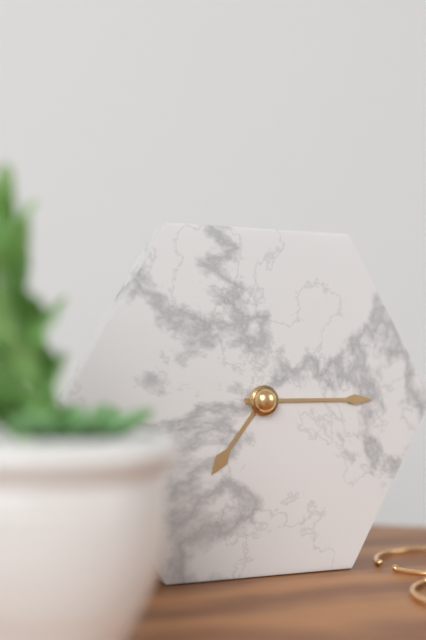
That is **7:15**
